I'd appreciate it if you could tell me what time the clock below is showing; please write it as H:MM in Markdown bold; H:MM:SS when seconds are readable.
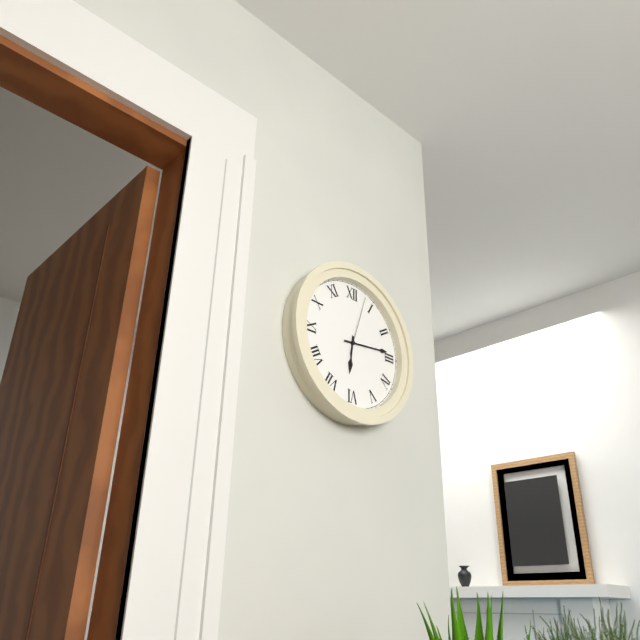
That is **6:14:03**
